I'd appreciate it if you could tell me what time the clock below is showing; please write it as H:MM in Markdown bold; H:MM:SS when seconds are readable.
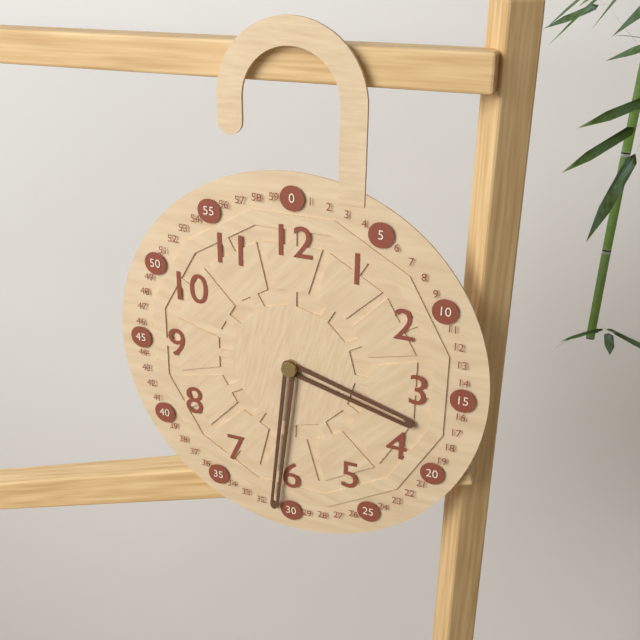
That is **3:31**
